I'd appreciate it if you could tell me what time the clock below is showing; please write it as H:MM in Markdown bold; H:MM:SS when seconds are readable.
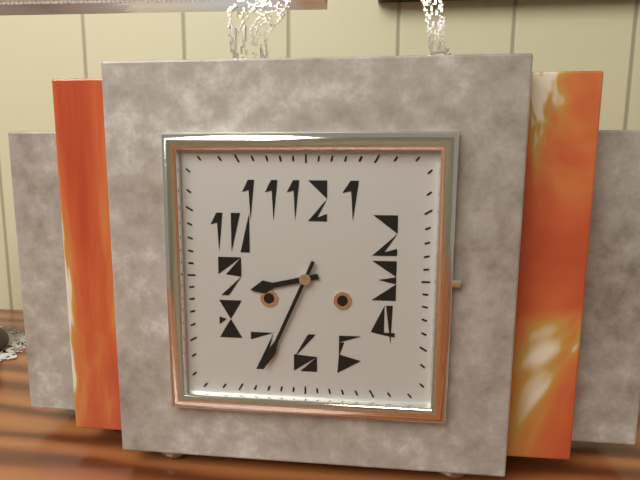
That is **8:34**
